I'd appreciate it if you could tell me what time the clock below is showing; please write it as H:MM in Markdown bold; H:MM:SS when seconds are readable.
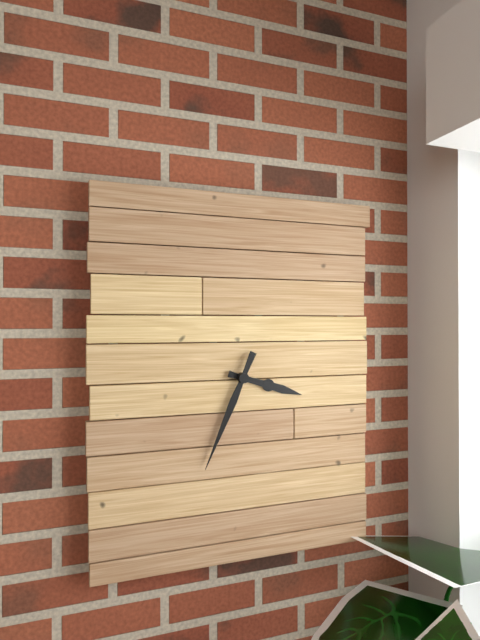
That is **3:34**
